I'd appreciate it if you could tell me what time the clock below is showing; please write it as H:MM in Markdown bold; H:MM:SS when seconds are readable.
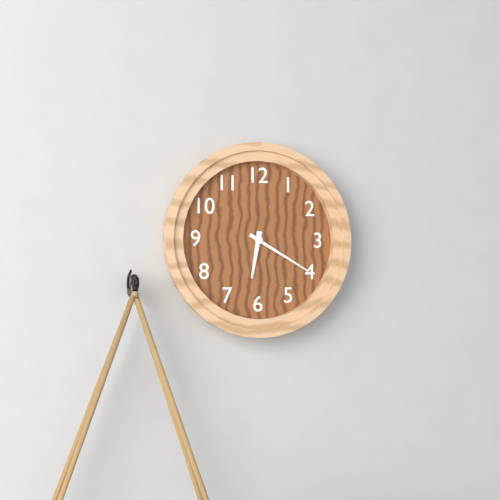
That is **6:20**
